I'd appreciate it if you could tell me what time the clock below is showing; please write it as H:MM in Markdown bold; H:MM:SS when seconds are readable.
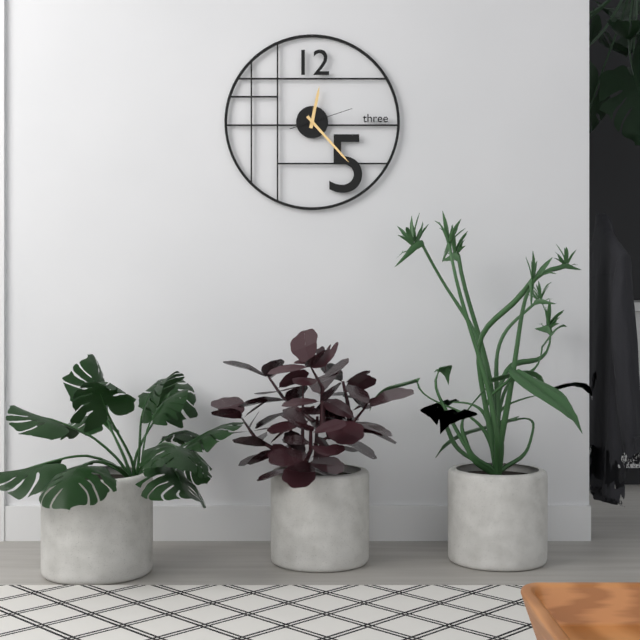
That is **12:23:12**
